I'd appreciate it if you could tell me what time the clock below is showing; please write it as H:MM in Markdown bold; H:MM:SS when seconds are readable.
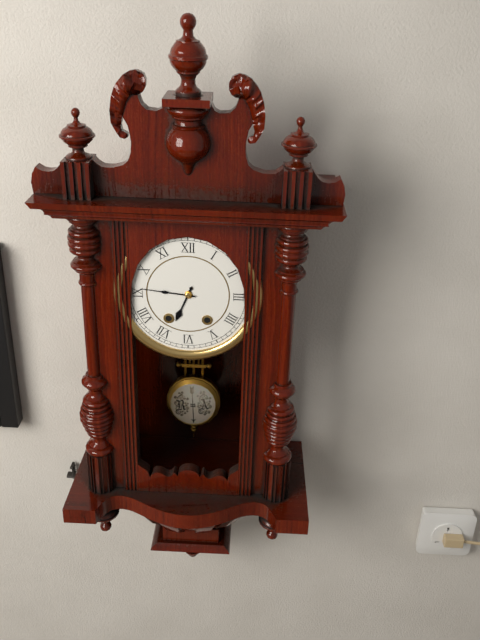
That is **6:46**
